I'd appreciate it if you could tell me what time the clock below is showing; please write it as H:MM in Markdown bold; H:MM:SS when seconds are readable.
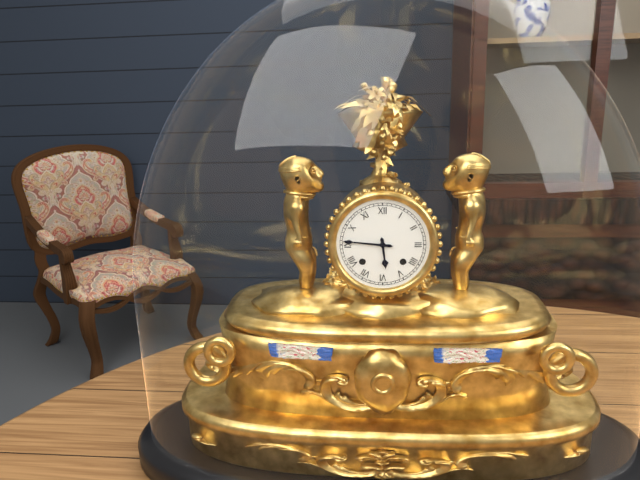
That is **5:46**
